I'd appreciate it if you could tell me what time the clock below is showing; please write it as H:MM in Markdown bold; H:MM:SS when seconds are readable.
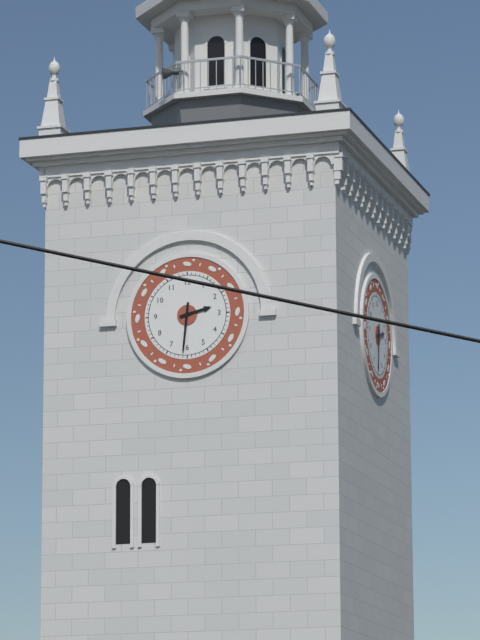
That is **2:31**
